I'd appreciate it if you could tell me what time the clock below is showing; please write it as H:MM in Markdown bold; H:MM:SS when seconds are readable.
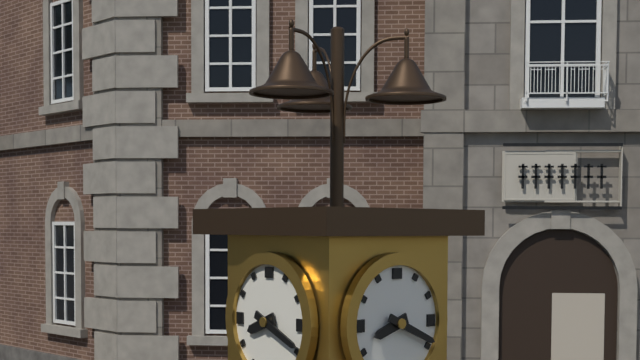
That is **8:19**
